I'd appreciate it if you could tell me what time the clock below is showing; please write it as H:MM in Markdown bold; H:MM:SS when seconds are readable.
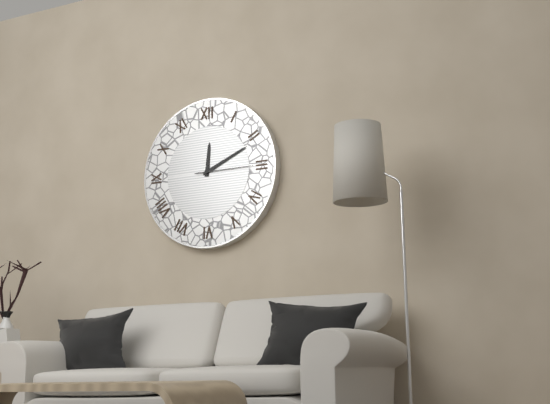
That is **12:11:15**
